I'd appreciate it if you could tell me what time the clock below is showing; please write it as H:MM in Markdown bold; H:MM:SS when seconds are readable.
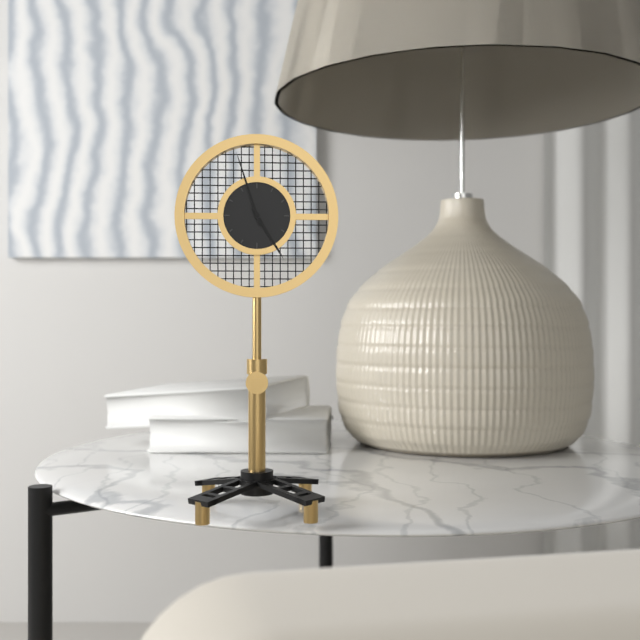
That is **4:57**
